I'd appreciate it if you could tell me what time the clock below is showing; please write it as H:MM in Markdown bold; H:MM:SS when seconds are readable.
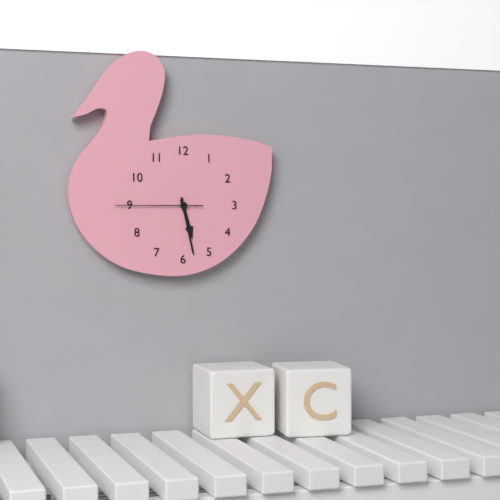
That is **5:28:45**
